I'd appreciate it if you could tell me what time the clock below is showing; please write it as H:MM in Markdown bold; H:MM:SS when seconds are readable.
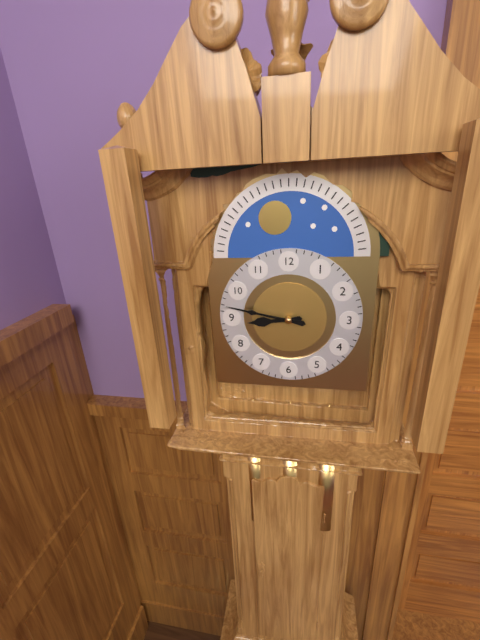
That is **8:47**
